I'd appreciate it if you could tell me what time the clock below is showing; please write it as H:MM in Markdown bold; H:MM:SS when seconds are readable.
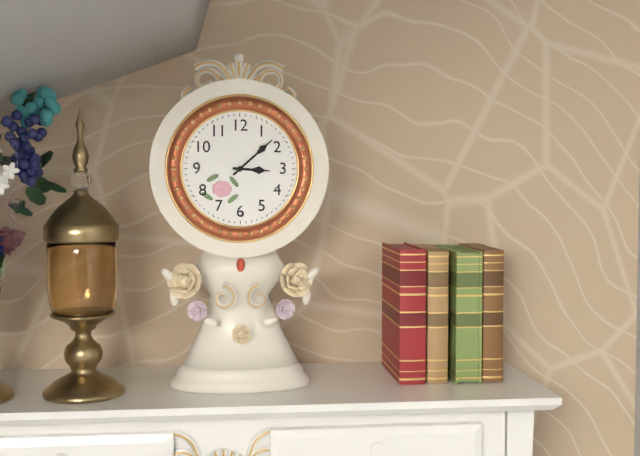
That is **3:08**
